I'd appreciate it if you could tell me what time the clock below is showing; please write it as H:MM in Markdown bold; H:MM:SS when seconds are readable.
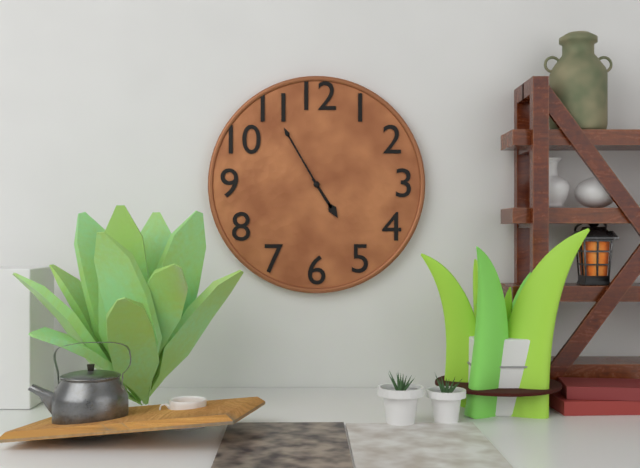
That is **4:55**
